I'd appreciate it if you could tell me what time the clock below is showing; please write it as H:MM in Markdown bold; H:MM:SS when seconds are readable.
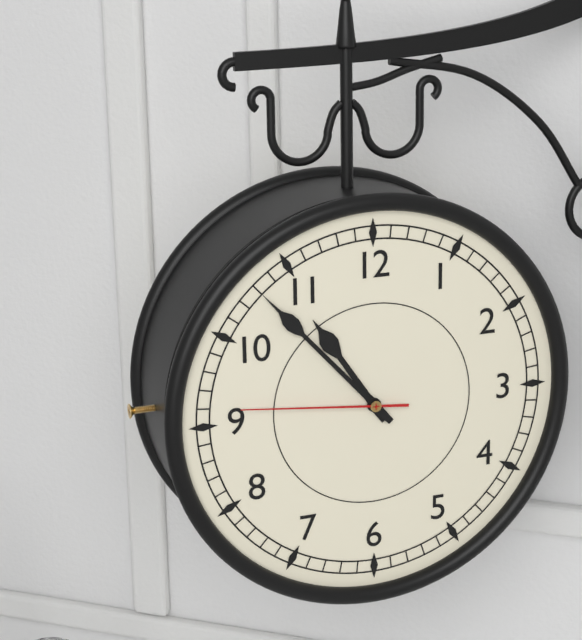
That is **10:53:46**
